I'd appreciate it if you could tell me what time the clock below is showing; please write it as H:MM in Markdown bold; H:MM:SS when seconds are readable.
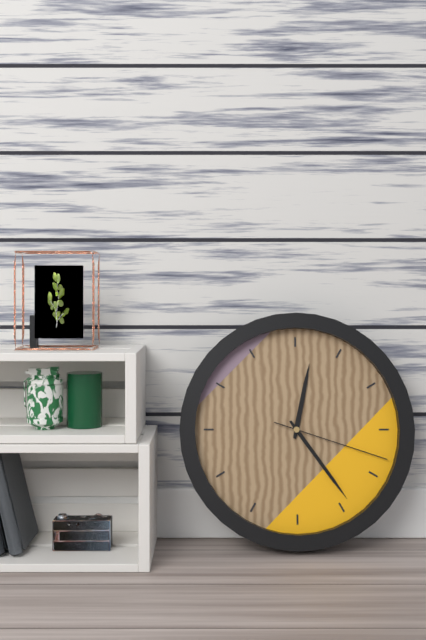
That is **12:24:18**
